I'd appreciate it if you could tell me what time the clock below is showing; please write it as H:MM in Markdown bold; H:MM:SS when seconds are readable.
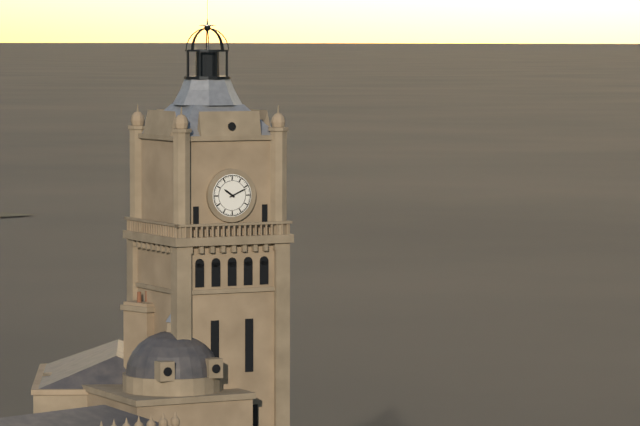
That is **10:11**
